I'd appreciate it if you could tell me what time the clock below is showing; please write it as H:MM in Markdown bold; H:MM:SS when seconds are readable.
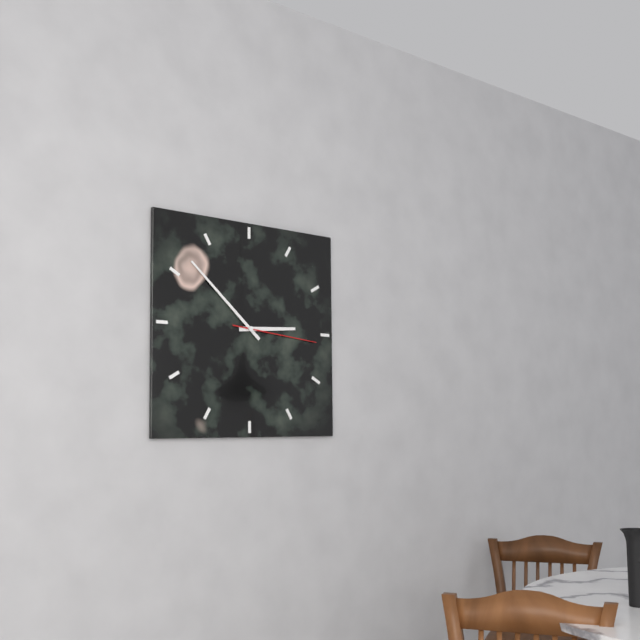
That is **2:52:16**
